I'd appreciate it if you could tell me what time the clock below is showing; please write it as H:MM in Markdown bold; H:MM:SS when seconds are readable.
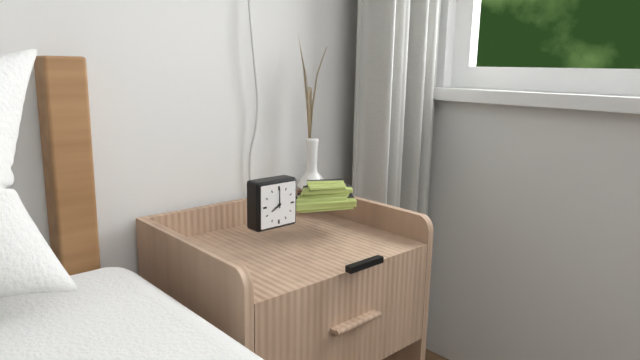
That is **8:00**
